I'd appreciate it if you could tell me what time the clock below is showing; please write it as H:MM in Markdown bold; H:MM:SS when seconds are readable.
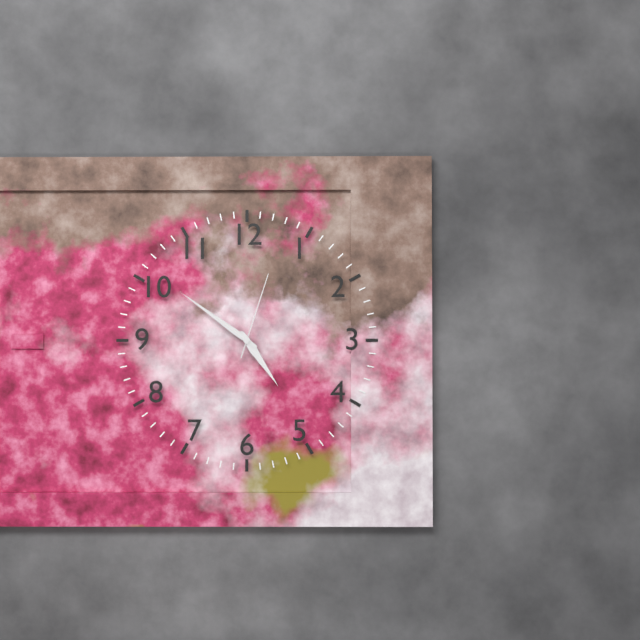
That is **4:51:03**
